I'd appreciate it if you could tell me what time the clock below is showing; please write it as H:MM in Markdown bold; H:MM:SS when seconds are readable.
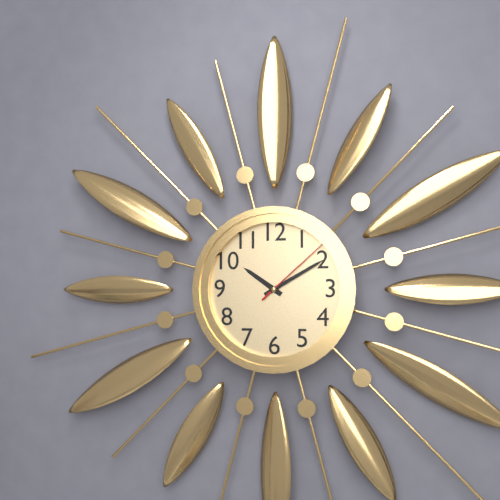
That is **10:10:08**
